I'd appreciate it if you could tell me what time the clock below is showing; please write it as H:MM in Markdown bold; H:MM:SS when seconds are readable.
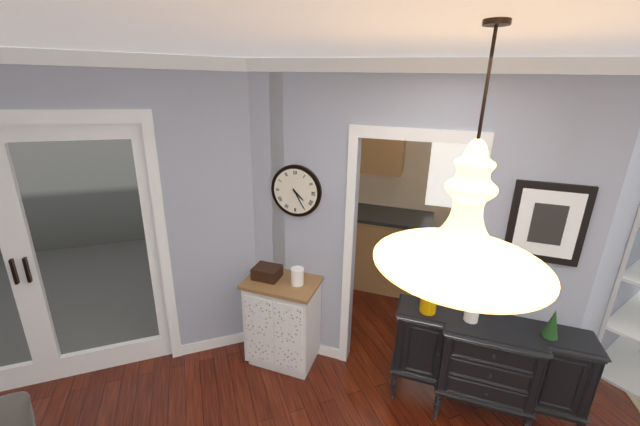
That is **4:25**
